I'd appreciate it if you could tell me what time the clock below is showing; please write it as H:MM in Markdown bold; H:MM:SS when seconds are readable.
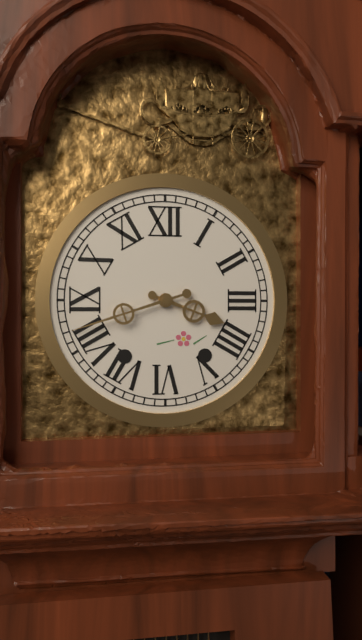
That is **3:42**
